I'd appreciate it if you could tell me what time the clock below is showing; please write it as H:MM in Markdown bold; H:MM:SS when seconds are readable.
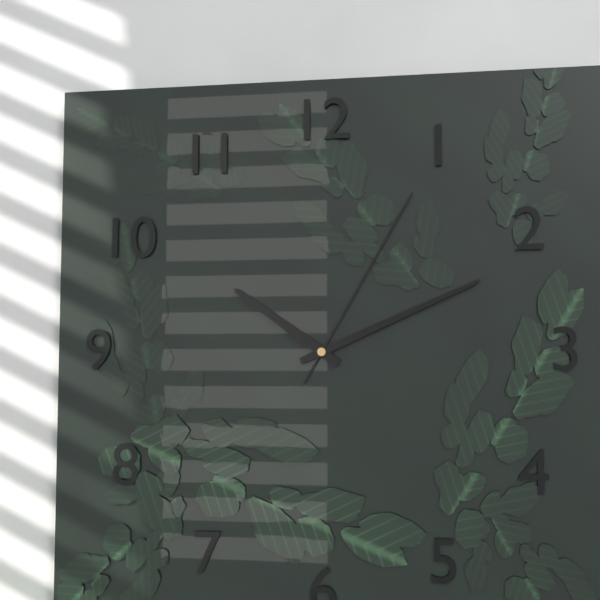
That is **10:11:05**
